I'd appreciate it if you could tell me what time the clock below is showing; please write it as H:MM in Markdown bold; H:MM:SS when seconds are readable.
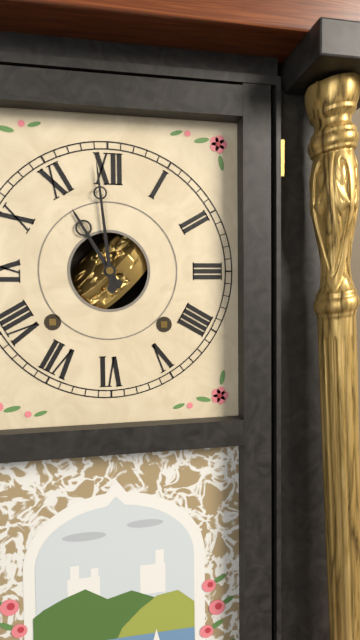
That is **10:59**
